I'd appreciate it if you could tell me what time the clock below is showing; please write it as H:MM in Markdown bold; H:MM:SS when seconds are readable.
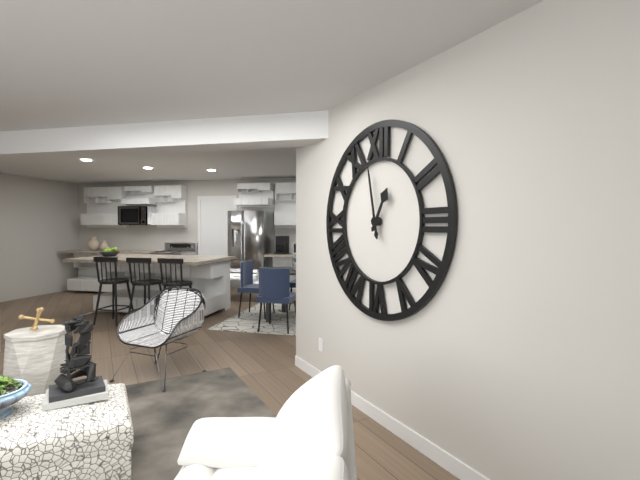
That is **12:58**
